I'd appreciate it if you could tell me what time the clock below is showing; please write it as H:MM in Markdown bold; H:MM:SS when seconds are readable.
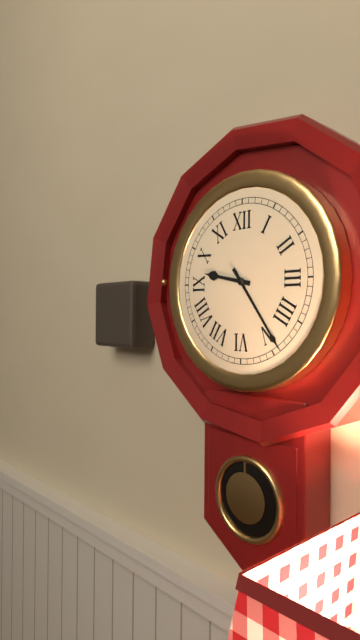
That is **9:24**
